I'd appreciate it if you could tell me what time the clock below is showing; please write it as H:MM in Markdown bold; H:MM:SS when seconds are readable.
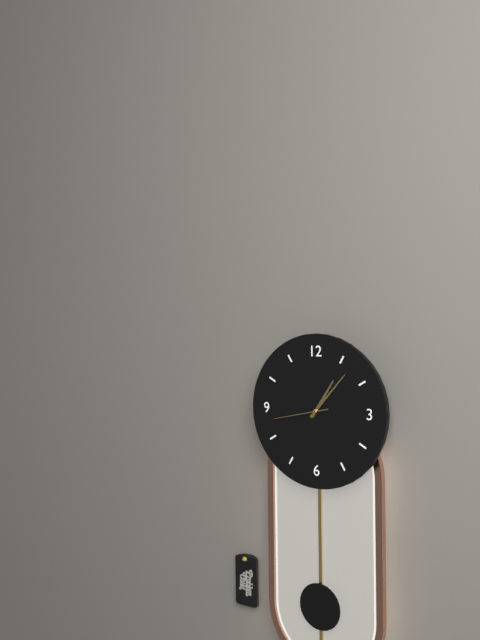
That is **1:07:43**
